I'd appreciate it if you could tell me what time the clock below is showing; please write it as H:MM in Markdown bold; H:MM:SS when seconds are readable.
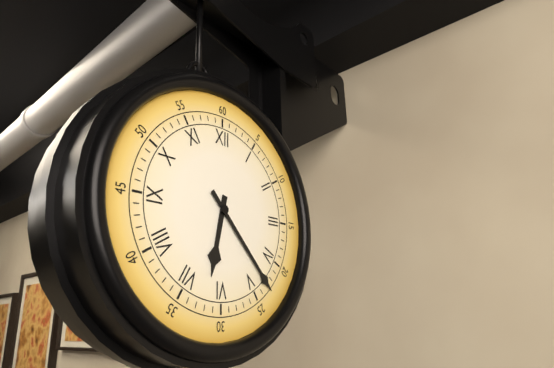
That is **6:23**
